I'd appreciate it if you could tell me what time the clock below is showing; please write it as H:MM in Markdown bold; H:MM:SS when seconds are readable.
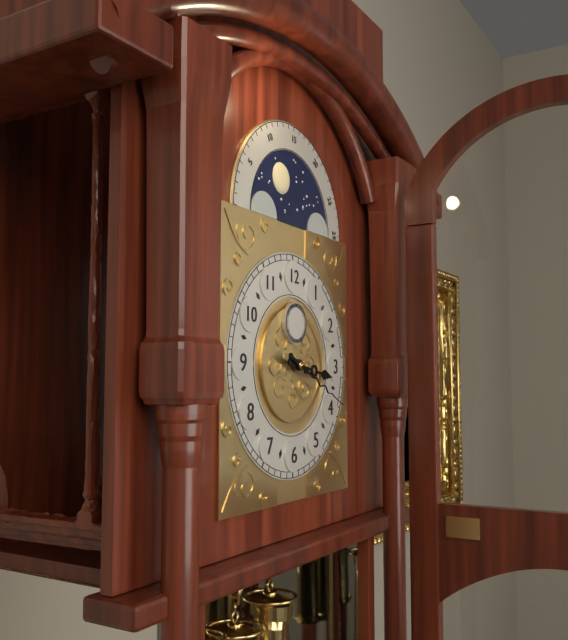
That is **3:19**
